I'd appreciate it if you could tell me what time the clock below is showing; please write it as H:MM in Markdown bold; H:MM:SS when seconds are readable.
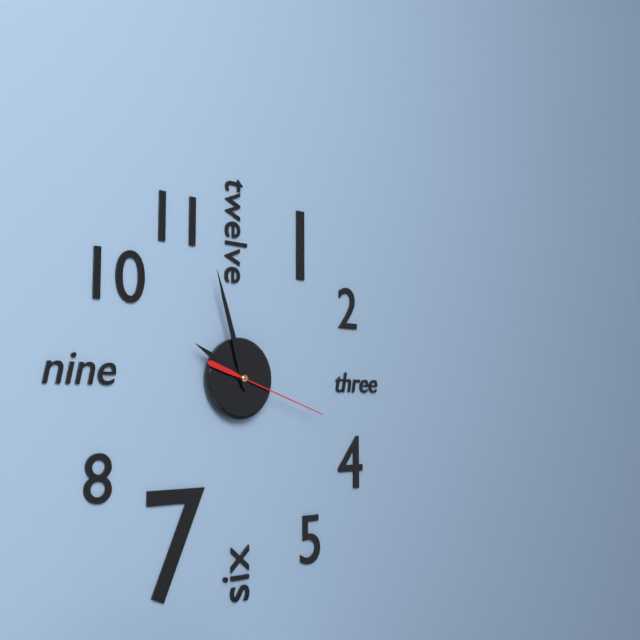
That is **9:57:18**
